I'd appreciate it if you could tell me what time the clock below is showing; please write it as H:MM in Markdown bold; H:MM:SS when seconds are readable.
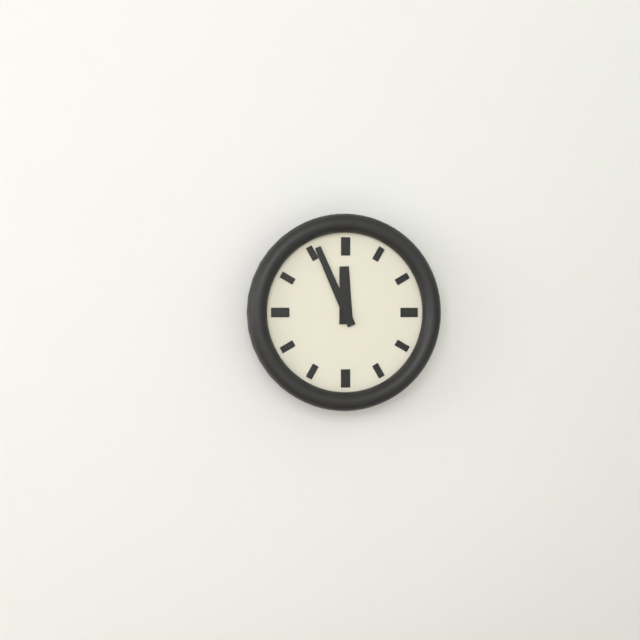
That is **11:56**
